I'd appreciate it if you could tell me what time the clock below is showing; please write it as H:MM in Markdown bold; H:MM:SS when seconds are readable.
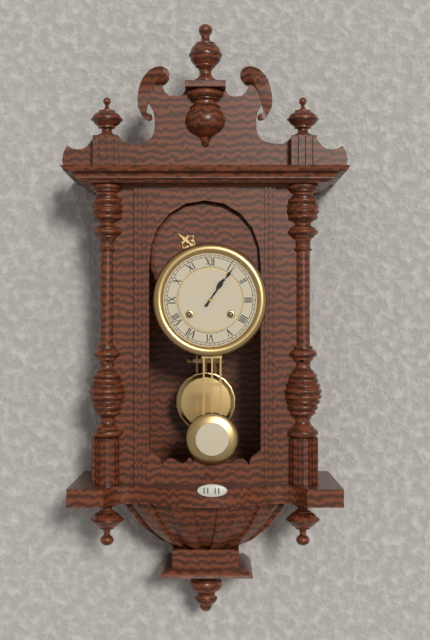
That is **1:06**
